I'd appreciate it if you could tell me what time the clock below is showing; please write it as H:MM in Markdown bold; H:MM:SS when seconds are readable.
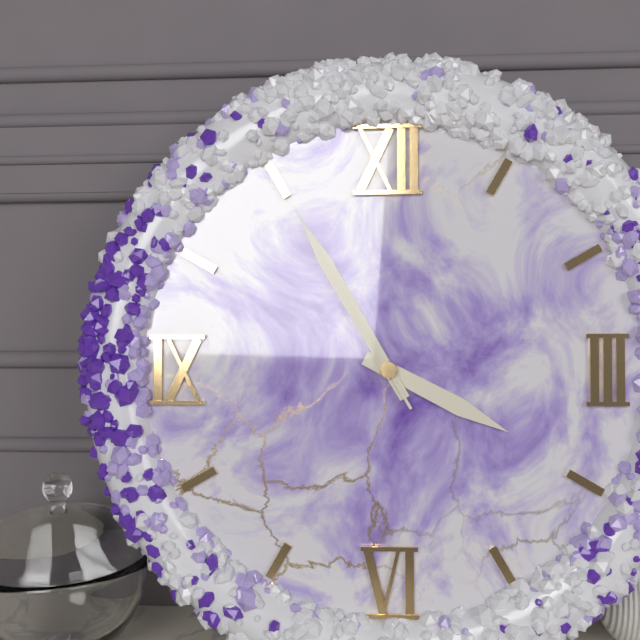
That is **3:55:55**
